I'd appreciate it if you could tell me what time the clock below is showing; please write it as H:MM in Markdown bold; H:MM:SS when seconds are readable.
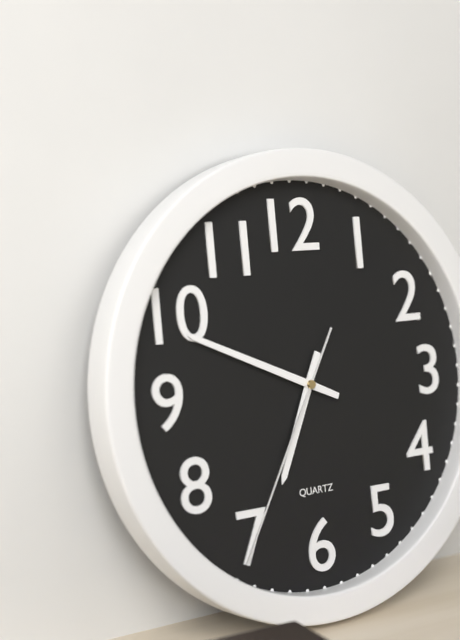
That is **6:49:35**
